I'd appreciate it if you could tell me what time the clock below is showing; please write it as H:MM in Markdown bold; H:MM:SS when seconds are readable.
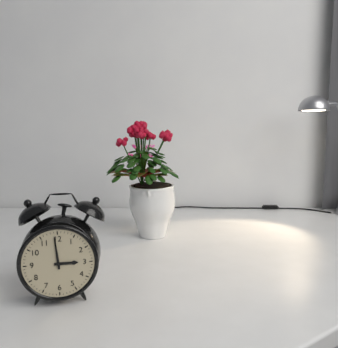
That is **2:59**
